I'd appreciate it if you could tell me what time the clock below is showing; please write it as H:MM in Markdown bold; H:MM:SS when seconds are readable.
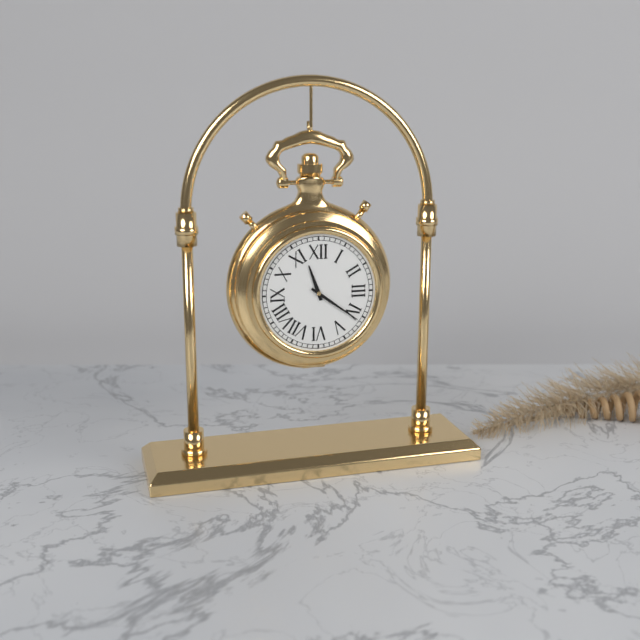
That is **11:21**
